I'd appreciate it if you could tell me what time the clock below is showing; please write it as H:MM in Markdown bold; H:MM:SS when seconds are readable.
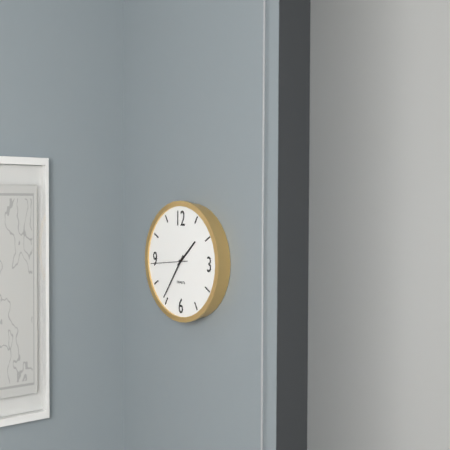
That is **1:36**
